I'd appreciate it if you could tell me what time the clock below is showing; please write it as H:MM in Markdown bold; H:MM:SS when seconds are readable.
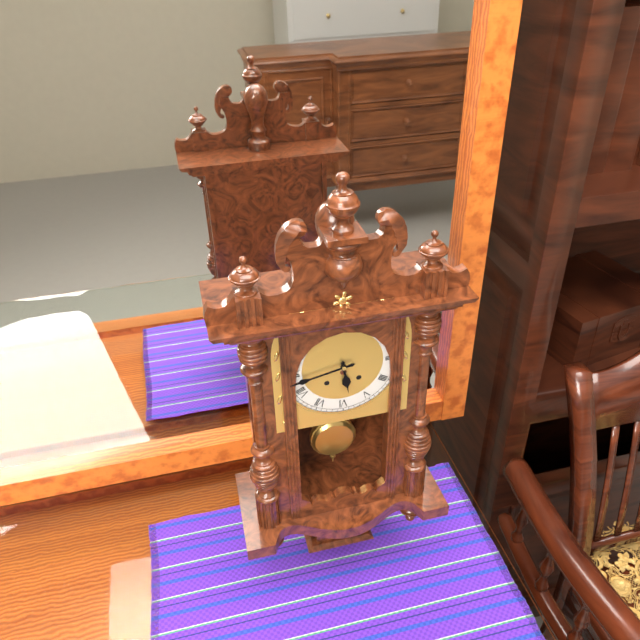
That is **5:43**
